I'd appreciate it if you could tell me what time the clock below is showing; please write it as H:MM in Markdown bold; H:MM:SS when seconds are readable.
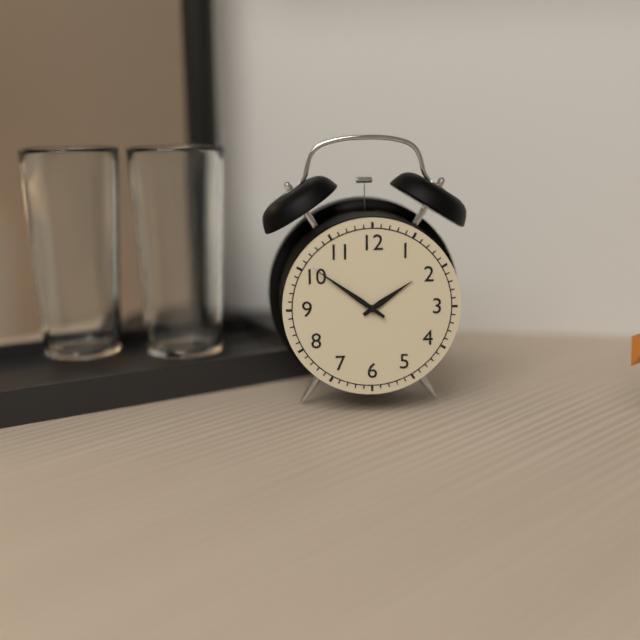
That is **1:51**
